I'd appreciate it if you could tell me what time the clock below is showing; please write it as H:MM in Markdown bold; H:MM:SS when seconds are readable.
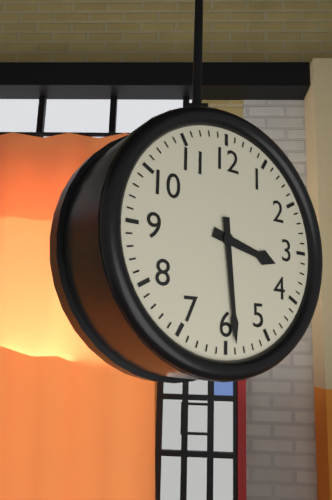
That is **3:29**
